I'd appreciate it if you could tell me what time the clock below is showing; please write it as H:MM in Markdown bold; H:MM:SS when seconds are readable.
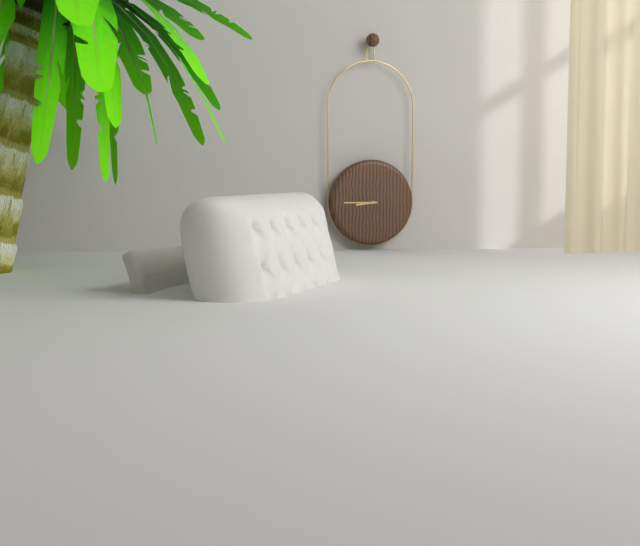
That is **8:45**
